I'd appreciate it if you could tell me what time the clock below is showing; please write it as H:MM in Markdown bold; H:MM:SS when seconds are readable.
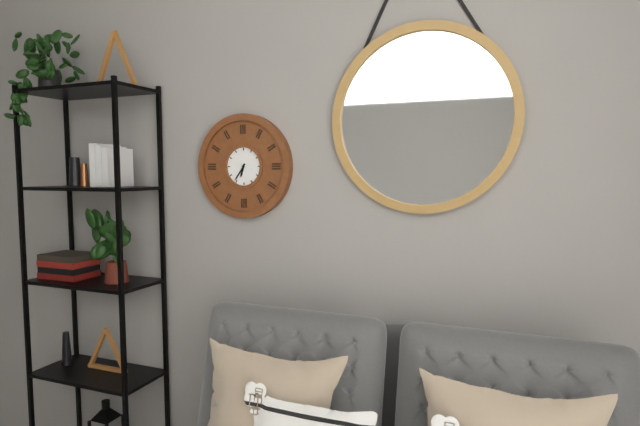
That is **6:36**
